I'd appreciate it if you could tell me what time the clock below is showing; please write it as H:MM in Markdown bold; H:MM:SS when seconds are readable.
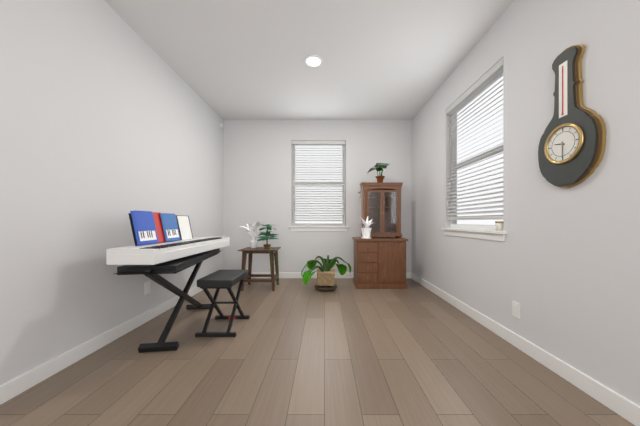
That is **9:30**
